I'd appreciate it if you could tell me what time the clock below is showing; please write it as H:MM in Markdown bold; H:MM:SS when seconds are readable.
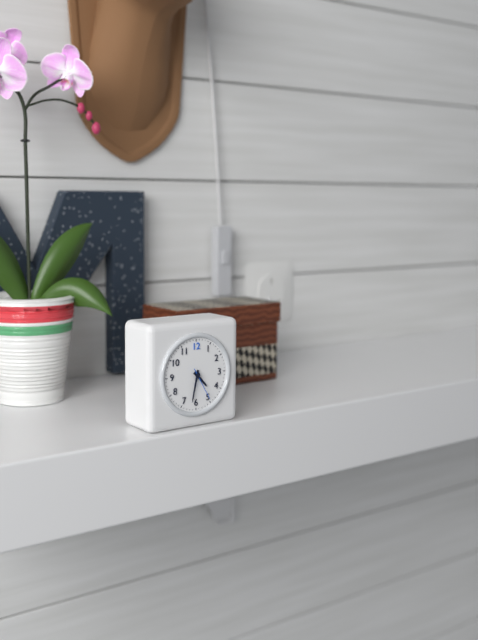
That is **4:32**
